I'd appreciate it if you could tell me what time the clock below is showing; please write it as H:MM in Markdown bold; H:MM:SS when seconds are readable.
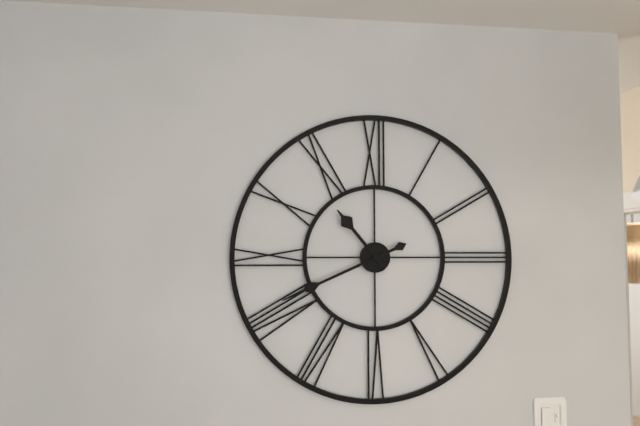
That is **10:41**
